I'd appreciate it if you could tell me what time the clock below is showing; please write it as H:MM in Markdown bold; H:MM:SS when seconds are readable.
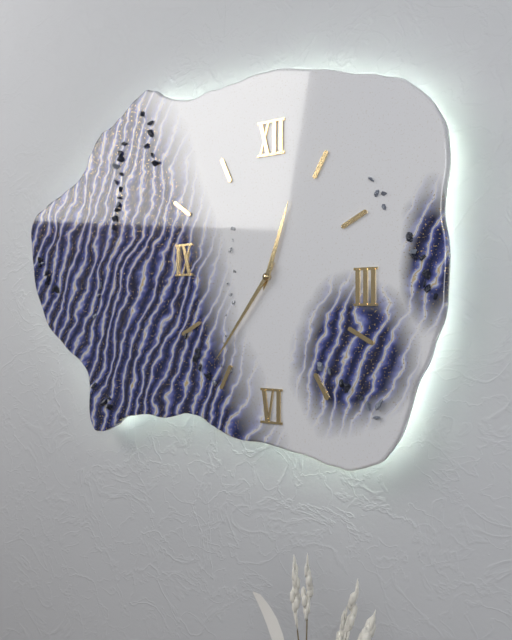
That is **12:36**
